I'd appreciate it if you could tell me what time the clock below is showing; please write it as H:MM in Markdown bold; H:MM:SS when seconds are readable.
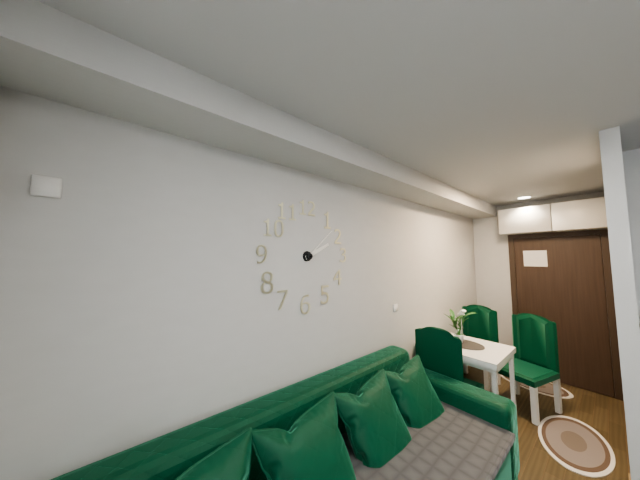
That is **2:08**
